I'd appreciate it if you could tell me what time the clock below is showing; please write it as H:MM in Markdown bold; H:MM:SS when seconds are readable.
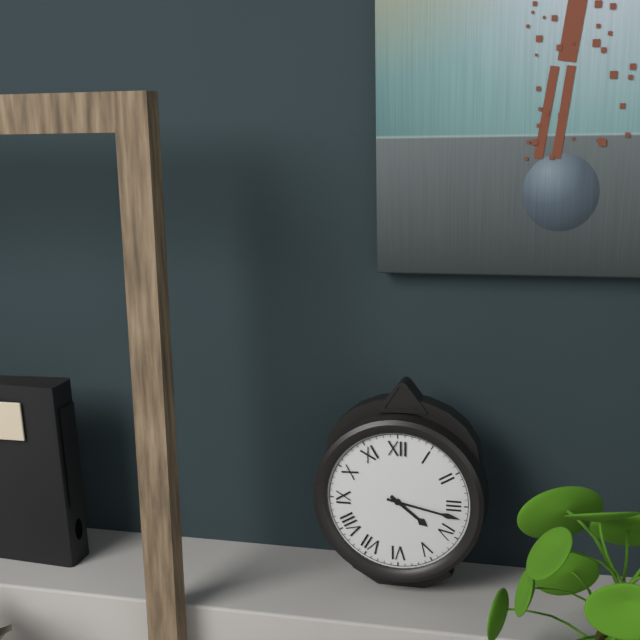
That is **4:17**
